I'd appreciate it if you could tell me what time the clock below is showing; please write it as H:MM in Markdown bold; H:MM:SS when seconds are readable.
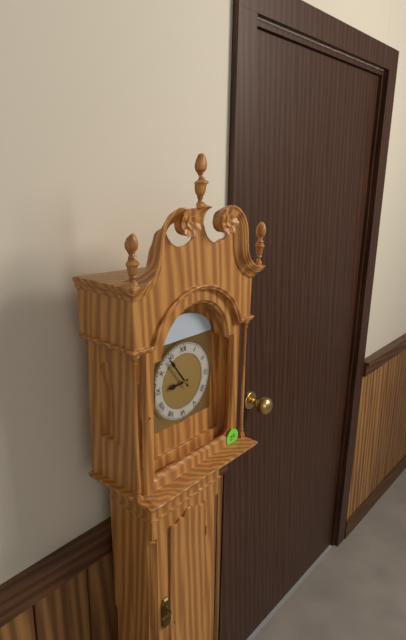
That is **8:54**
